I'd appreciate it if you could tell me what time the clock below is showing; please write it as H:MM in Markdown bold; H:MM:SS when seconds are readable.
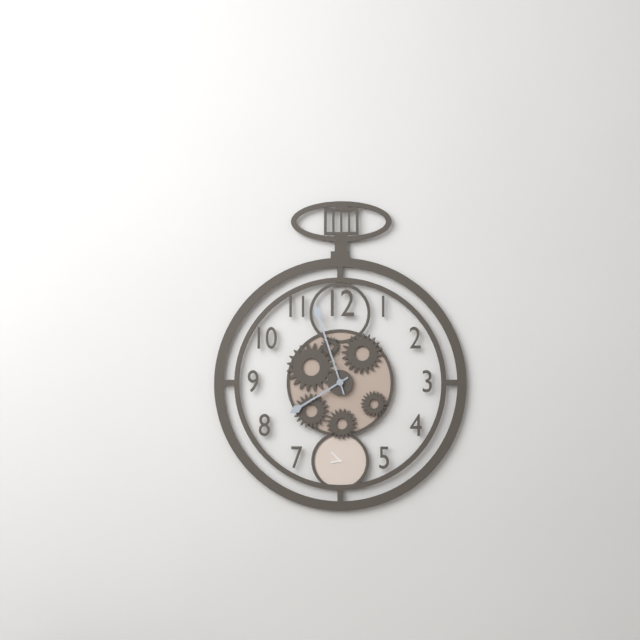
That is **7:57**
